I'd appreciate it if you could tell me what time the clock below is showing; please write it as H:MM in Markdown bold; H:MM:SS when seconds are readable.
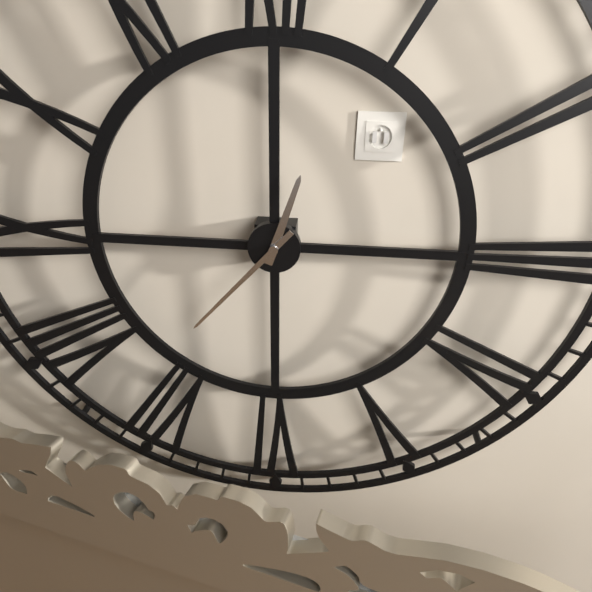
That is **12:37**
